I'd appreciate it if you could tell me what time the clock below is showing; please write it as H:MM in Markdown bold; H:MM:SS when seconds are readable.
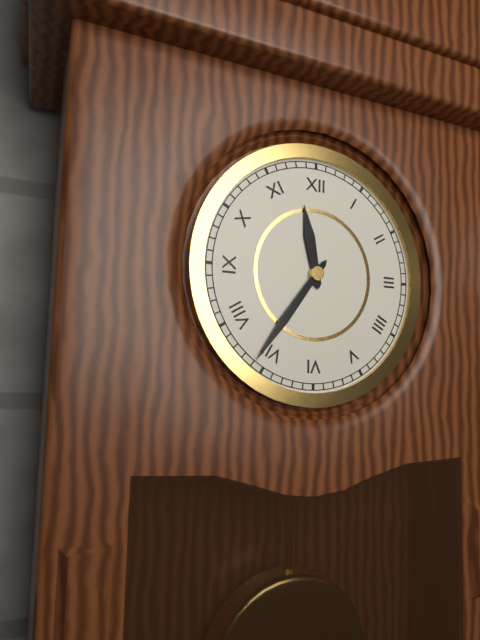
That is **11:36**
